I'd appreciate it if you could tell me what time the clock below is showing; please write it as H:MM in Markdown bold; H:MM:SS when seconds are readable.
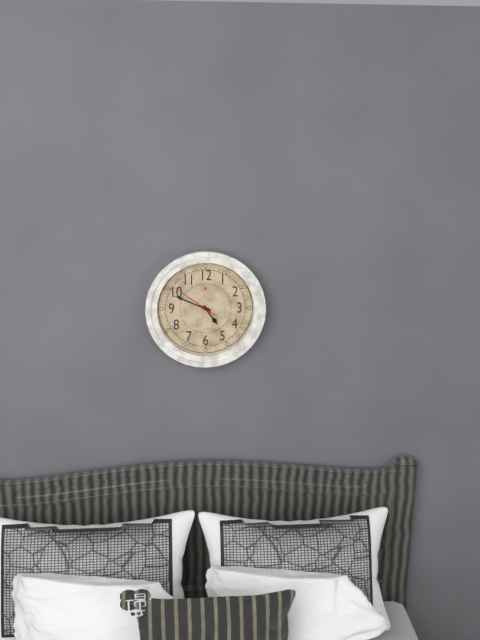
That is **4:49**
